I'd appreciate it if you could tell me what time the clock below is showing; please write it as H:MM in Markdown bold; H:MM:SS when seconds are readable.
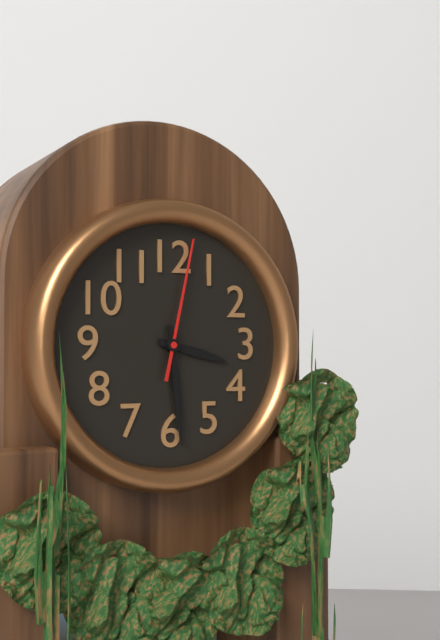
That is **3:29:02**
